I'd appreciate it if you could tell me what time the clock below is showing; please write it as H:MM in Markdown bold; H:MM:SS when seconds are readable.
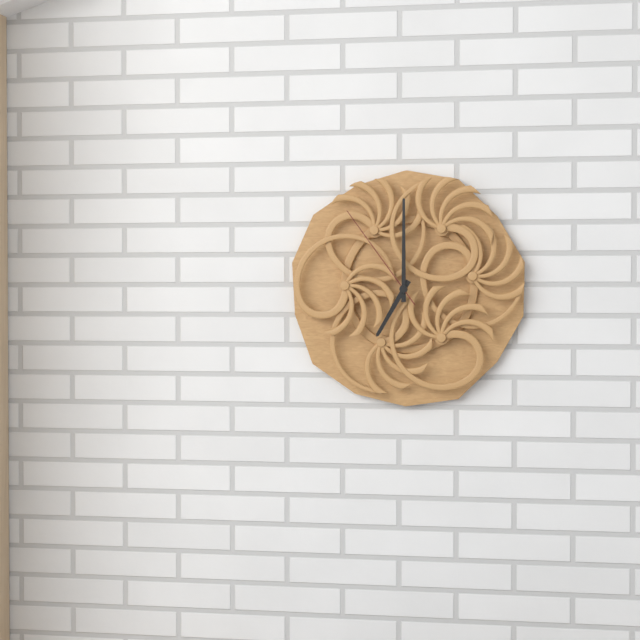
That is **7:00:54**
